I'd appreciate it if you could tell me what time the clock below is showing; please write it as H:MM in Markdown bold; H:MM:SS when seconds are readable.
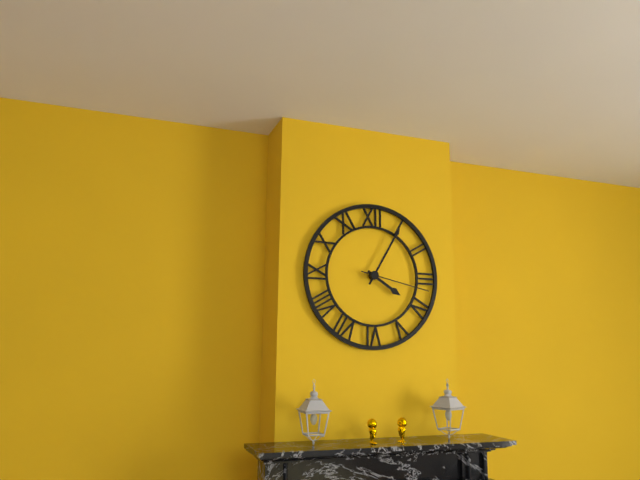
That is **4:05:17**
